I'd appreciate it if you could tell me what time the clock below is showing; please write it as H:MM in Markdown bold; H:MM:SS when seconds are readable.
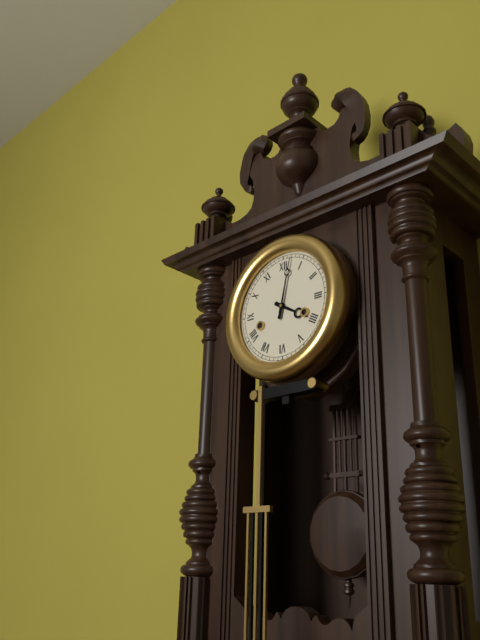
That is **4:02**
